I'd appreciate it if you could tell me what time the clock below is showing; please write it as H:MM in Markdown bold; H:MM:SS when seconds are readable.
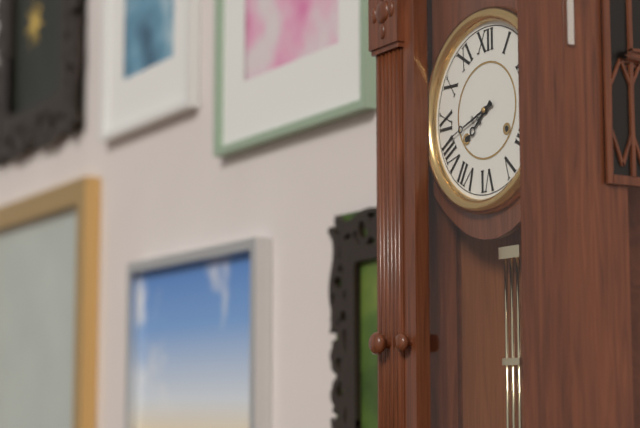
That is **7:42**
